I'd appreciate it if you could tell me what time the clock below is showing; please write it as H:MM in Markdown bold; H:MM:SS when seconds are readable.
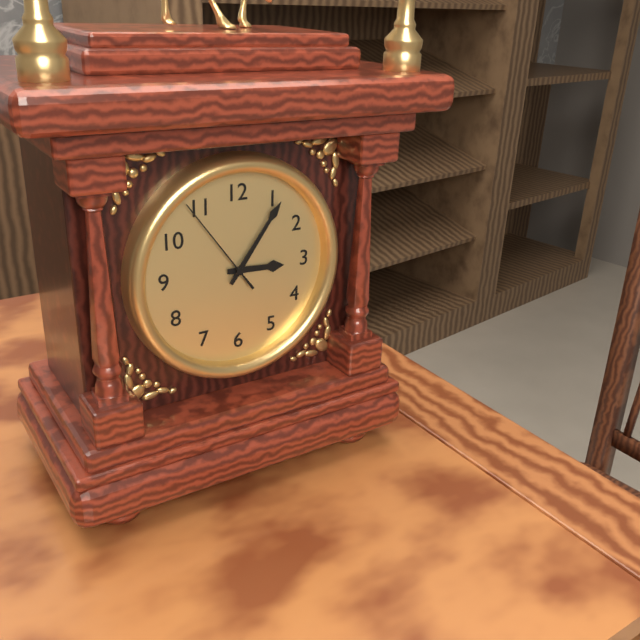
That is **3:06:54**
